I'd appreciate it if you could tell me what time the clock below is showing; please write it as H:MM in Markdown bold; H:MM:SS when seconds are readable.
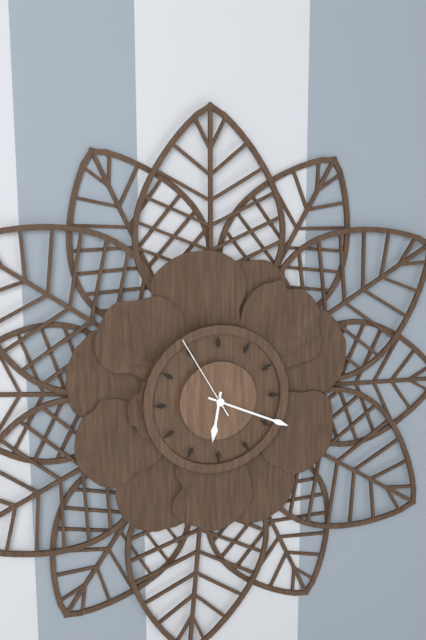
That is **6:19:55**
